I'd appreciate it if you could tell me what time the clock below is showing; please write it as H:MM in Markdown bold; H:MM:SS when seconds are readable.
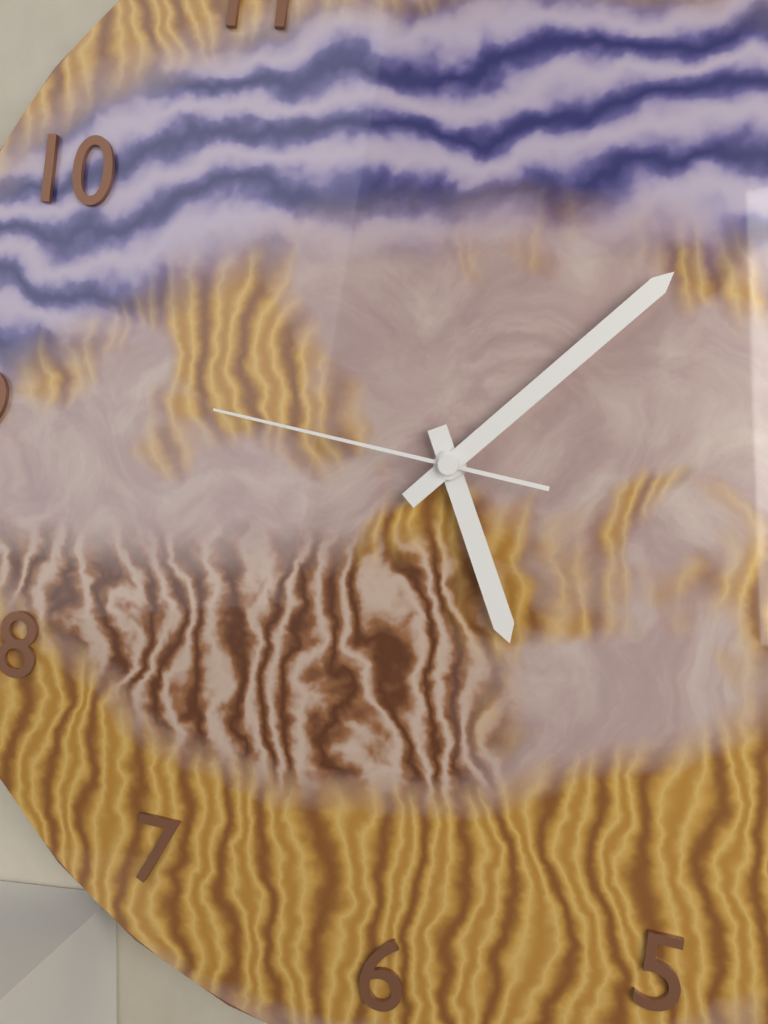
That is **5:07:46**
